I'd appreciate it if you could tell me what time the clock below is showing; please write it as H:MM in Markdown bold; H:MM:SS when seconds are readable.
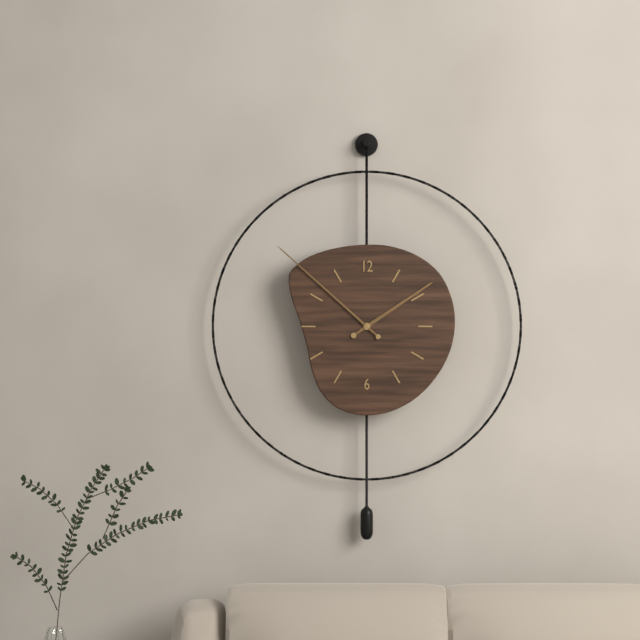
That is **1:52**
